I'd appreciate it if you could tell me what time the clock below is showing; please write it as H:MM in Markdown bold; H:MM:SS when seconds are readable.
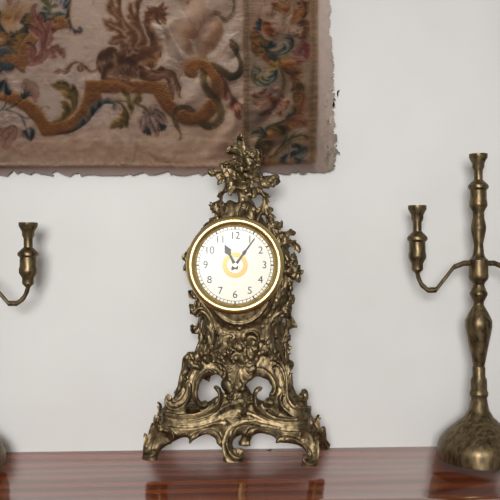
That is **11:06**
